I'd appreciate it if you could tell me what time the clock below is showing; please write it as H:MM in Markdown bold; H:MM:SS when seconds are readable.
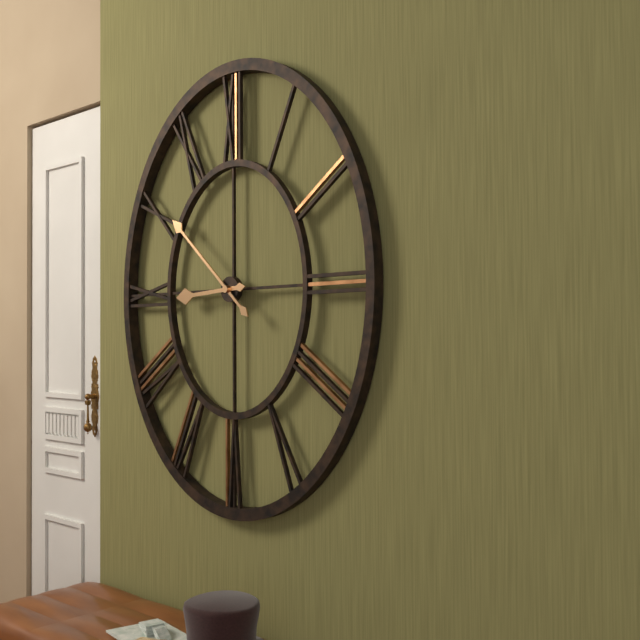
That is **8:52**
